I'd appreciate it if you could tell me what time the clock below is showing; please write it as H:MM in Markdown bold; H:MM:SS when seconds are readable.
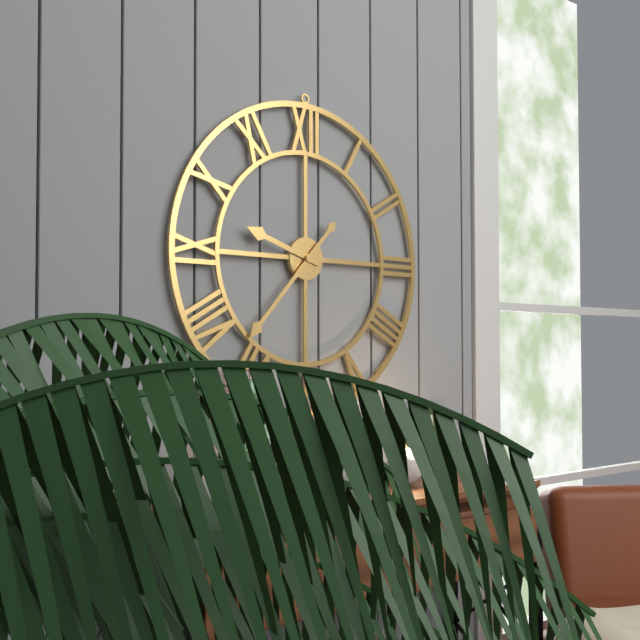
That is **9:37**
